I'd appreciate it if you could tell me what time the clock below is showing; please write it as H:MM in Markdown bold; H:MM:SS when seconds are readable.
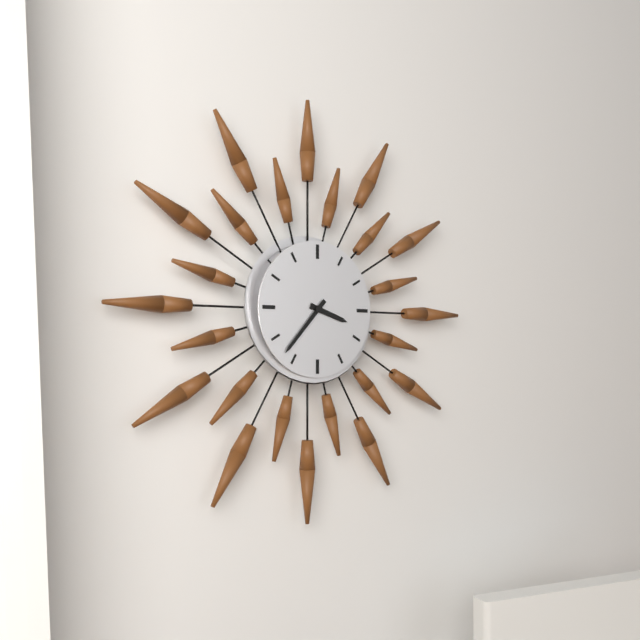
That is **3:37**
